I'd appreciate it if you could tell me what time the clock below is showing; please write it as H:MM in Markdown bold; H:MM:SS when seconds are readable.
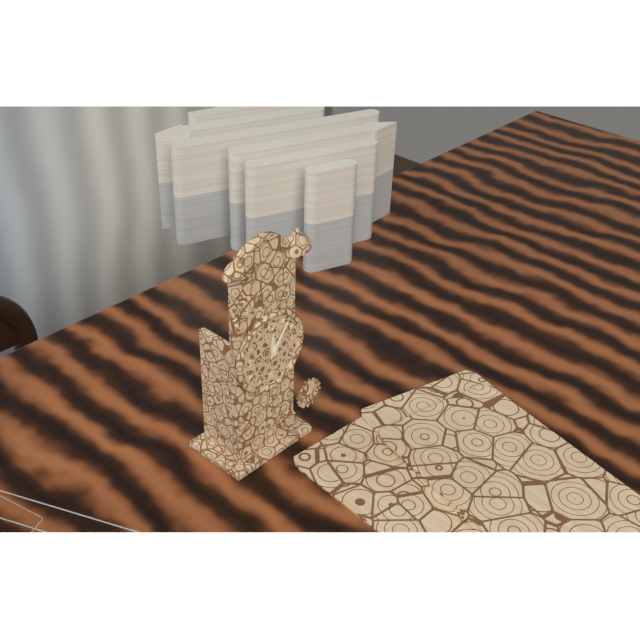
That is **12:06**
